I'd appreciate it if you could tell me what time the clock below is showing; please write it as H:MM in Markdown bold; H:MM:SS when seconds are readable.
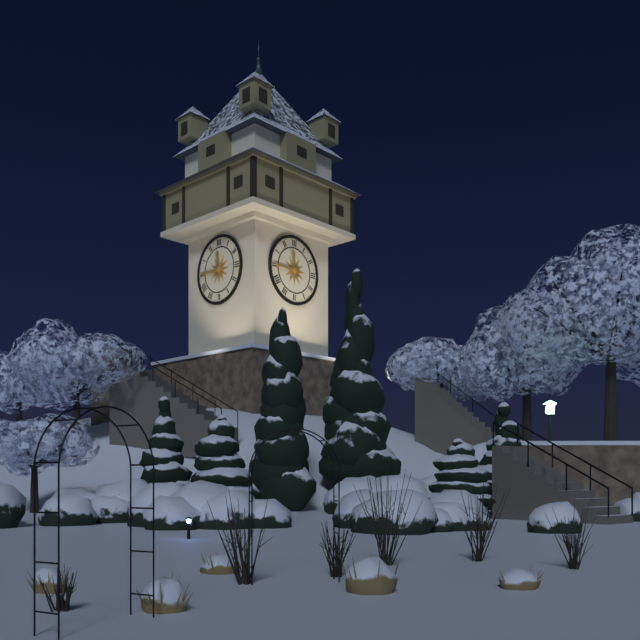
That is **11:45**
